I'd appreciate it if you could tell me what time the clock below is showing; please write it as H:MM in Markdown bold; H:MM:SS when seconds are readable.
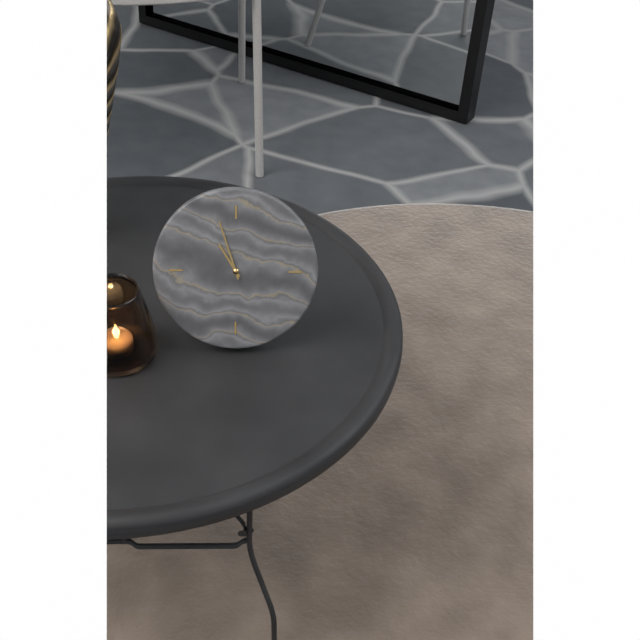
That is **10:57**
